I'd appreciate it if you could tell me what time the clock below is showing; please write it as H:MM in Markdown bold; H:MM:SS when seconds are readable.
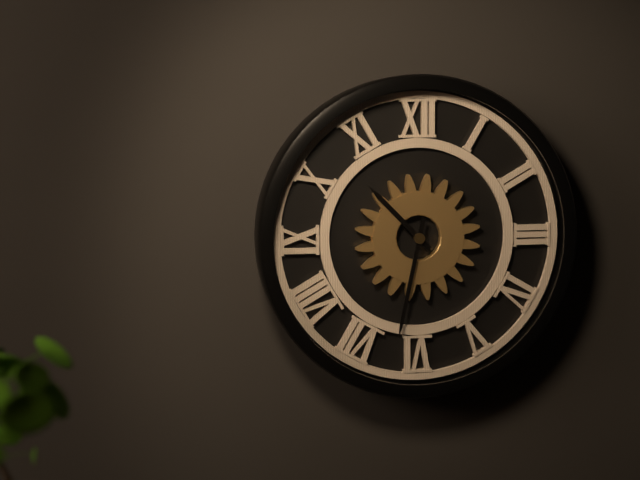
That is **10:32**
